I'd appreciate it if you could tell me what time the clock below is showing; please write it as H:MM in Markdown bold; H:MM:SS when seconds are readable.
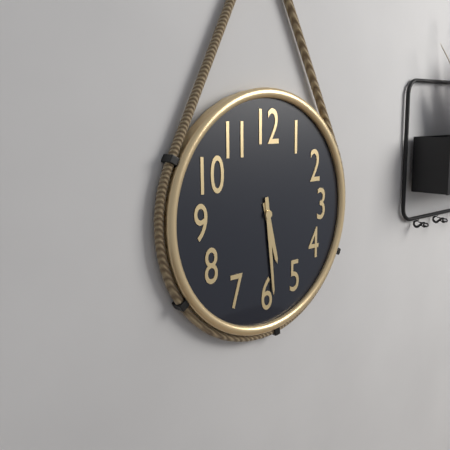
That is **5:29**
